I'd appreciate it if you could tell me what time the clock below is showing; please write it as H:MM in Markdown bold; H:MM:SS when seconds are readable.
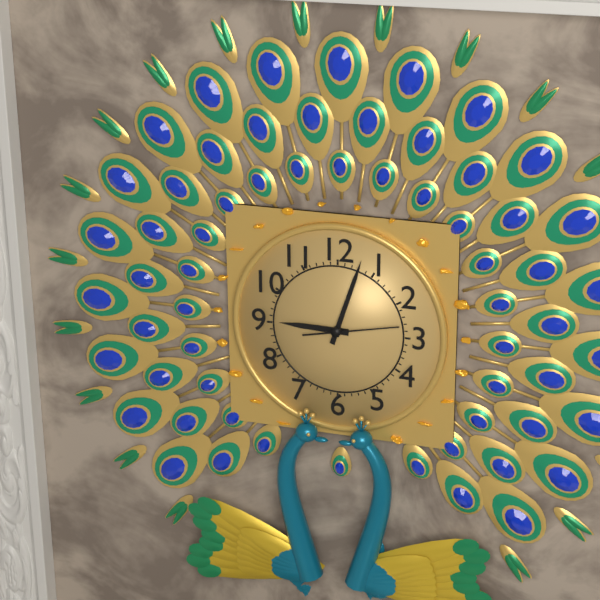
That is **9:03:13**
